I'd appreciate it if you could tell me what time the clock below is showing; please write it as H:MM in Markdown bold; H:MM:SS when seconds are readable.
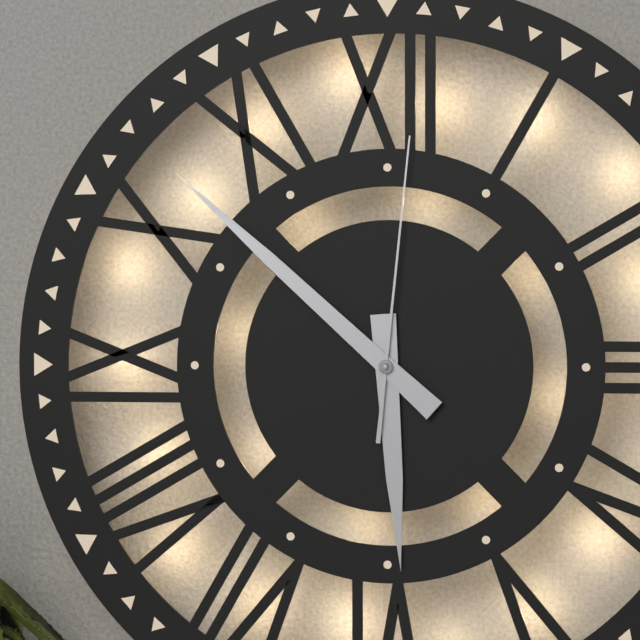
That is **5:52:01**
